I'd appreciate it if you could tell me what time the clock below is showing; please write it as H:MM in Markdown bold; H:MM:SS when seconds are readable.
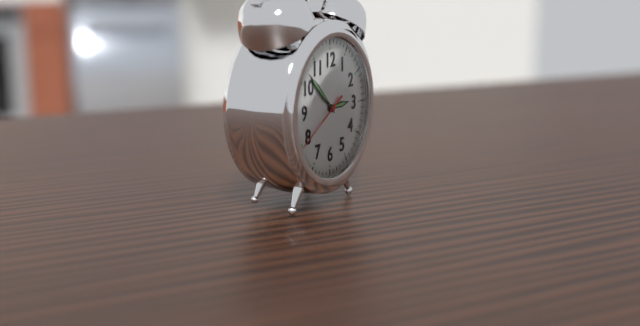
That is **2:52:40**
